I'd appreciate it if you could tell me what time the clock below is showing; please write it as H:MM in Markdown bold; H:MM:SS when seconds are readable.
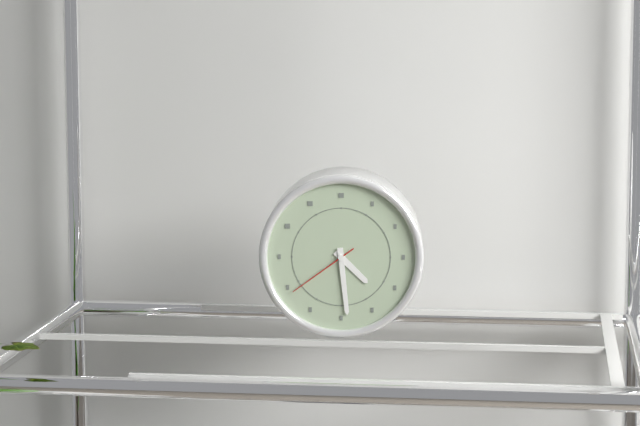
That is **4:29:39**
